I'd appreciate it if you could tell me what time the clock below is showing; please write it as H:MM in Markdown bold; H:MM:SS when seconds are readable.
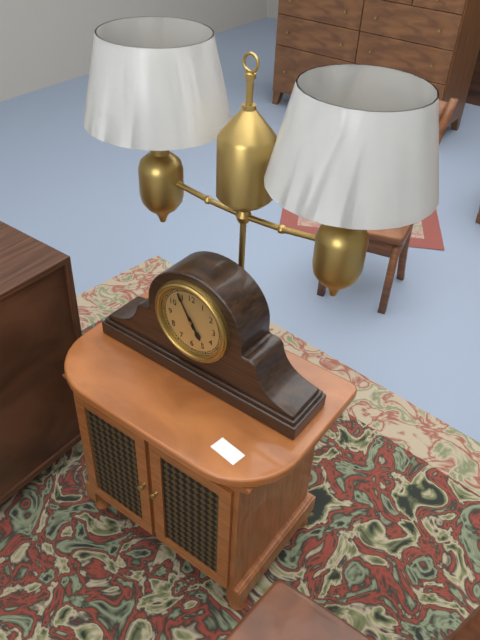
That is **4:55**
